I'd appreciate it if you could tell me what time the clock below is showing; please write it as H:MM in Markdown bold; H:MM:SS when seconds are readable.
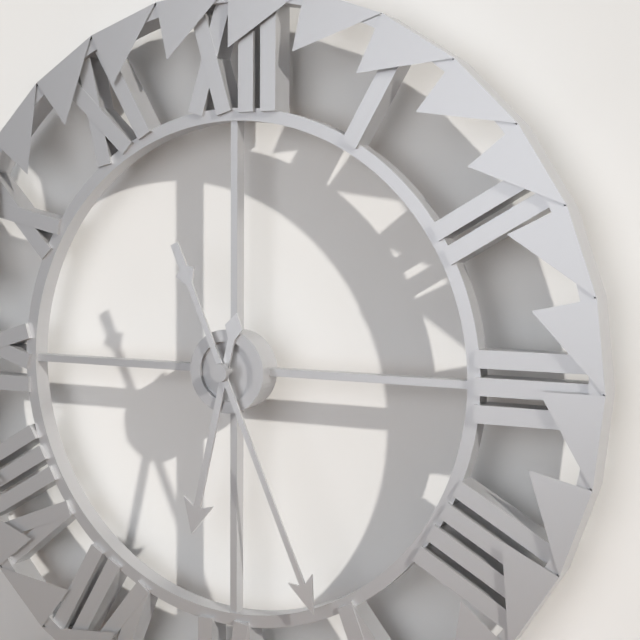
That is **6:26**
